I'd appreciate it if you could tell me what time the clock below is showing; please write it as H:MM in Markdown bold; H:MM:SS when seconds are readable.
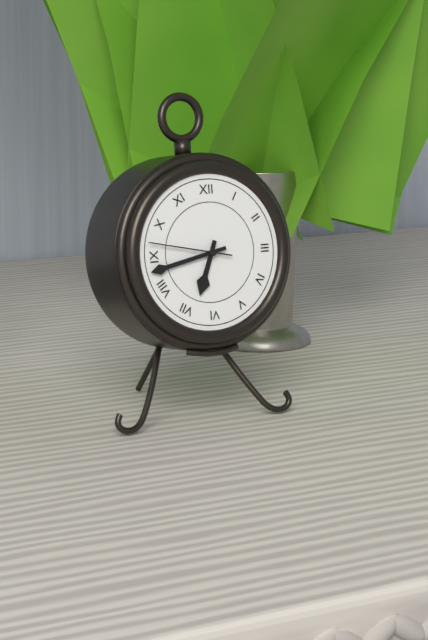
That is **6:43:47**
